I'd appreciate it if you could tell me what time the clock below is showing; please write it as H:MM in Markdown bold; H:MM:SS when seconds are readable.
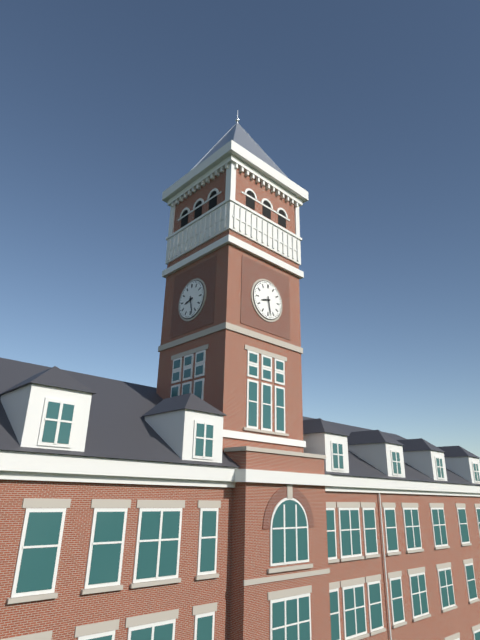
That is **8:28**
